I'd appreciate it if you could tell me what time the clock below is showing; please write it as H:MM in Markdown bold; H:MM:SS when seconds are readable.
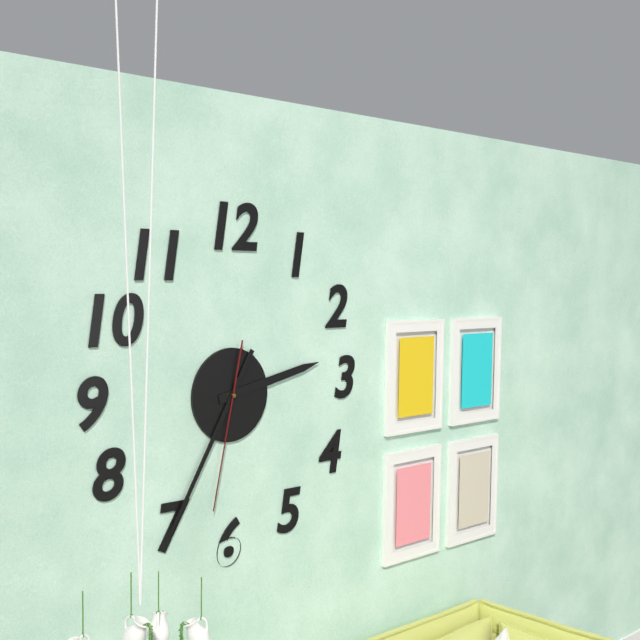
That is **2:35:32**
